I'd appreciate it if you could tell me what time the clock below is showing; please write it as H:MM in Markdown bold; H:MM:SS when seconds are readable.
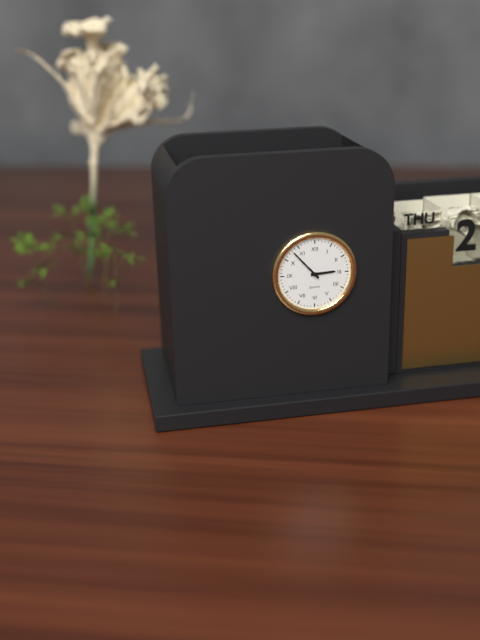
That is **2:53**
